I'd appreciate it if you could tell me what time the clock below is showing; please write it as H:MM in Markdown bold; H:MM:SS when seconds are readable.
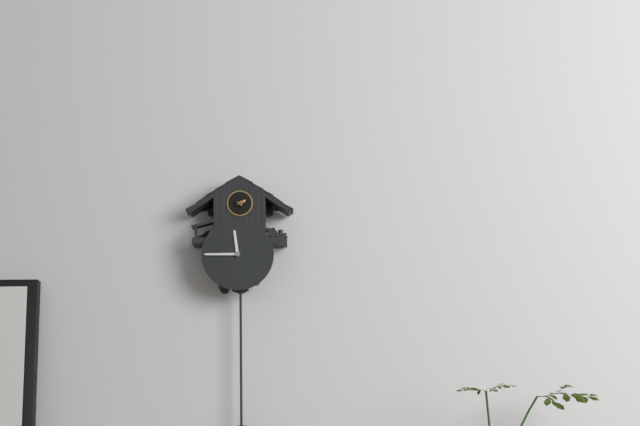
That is **11:45**
